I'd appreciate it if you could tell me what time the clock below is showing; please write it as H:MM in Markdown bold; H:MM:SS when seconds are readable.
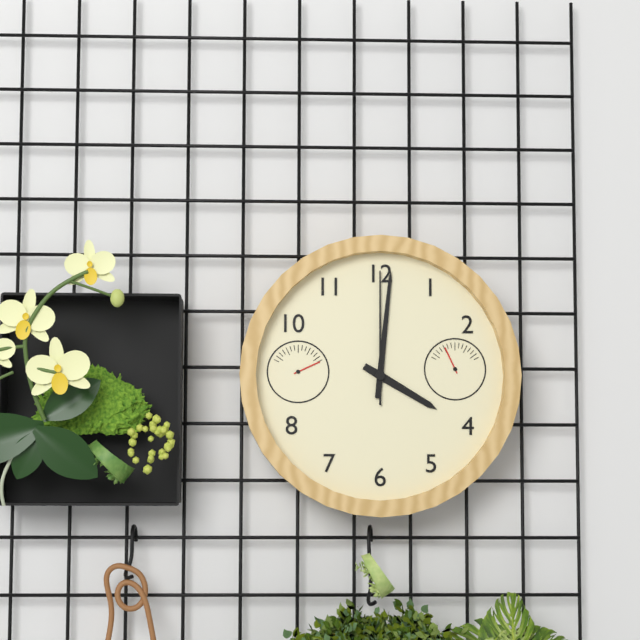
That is **4:01:00**
